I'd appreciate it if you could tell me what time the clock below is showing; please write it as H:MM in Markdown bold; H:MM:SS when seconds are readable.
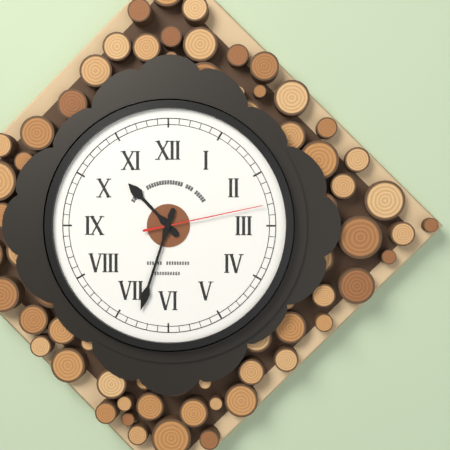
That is **10:33:13**
